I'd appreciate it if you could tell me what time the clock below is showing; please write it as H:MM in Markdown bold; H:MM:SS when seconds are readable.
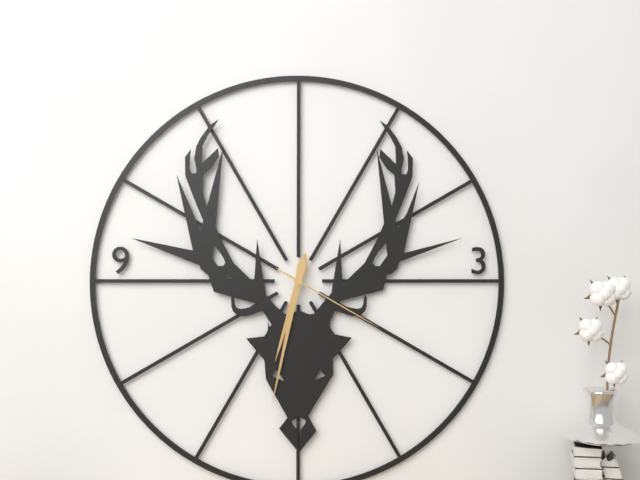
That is **6:32:20**
